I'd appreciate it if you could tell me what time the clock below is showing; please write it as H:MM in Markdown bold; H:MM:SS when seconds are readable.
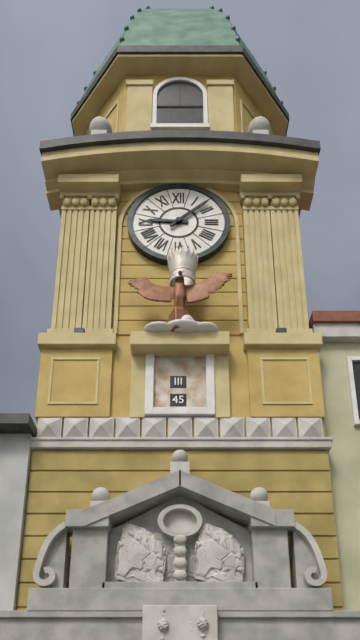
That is **9:08**
